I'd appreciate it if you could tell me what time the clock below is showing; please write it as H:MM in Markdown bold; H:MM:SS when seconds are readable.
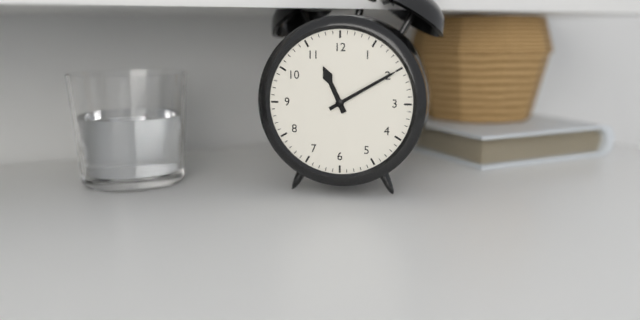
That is **11:10**
